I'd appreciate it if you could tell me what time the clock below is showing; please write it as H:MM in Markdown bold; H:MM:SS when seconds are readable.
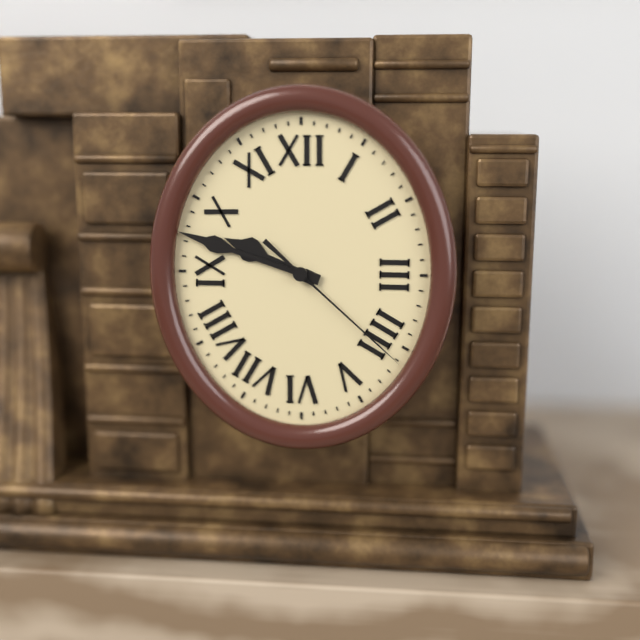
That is **9:48:22**
